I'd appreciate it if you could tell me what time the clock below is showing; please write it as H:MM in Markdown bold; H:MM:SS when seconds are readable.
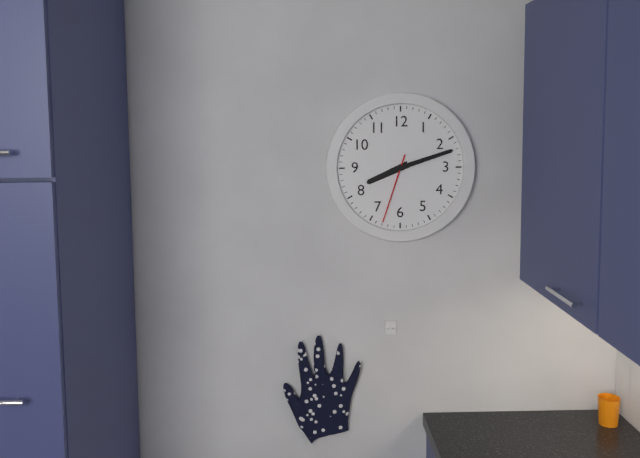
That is **8:12:33**
